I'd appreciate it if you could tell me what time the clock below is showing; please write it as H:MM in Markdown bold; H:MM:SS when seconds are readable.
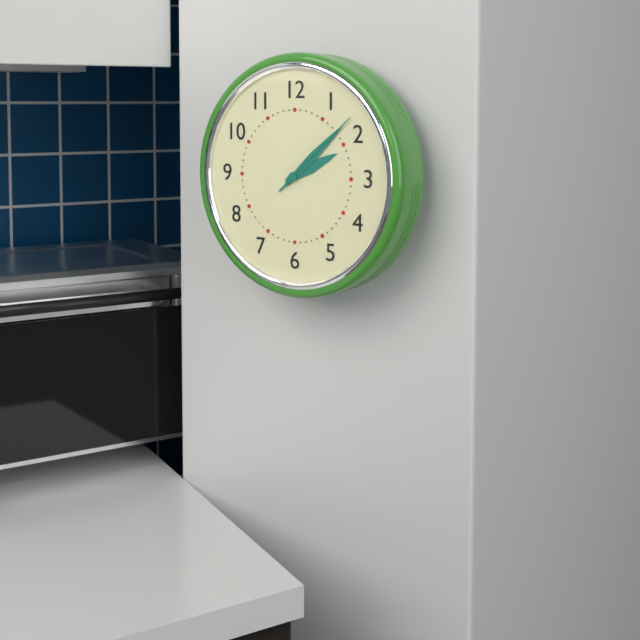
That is **2:08:08**
